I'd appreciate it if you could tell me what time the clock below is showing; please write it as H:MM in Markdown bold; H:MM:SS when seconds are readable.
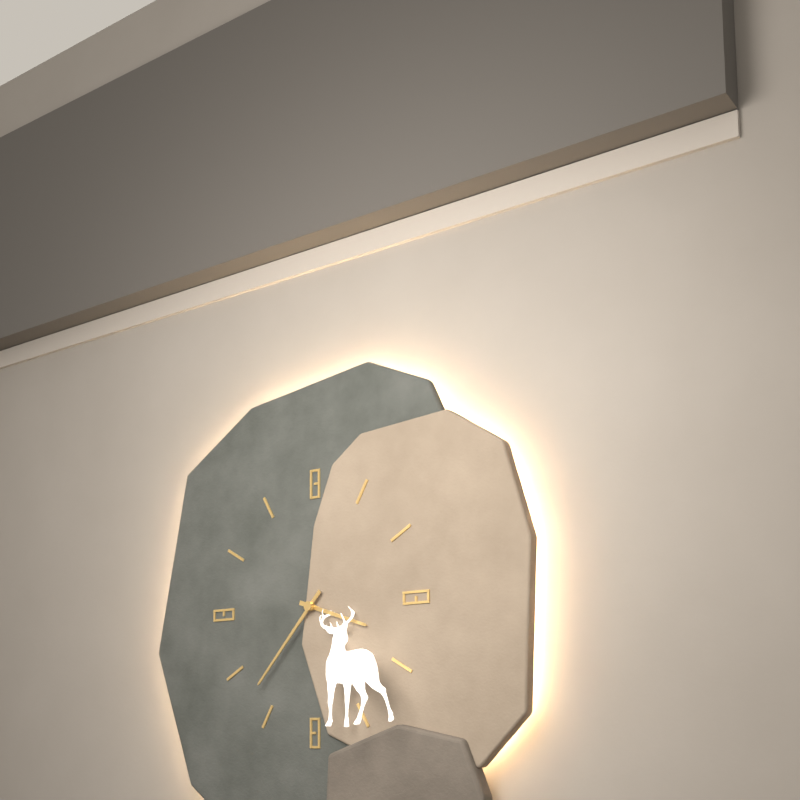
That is **3:37**
